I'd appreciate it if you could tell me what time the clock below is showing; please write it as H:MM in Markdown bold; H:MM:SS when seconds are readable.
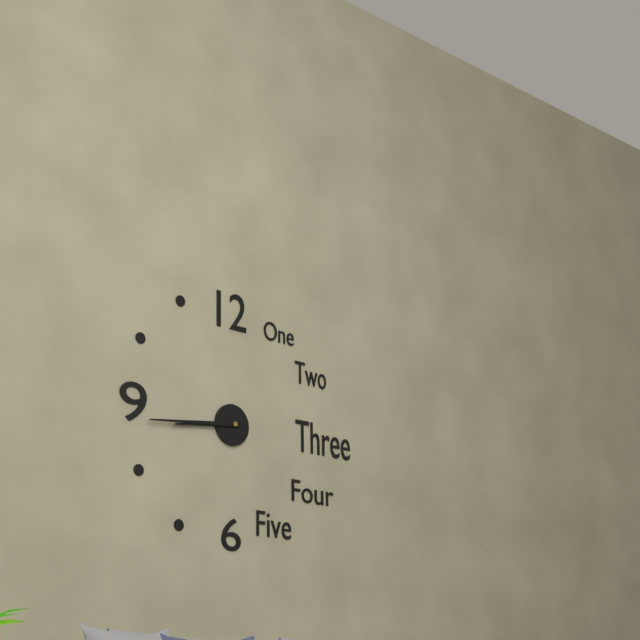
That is **8:44**
